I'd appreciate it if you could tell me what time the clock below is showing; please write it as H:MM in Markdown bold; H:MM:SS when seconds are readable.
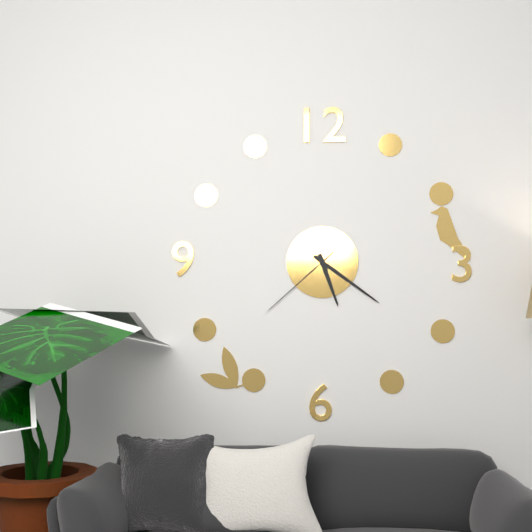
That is **5:21:38**
